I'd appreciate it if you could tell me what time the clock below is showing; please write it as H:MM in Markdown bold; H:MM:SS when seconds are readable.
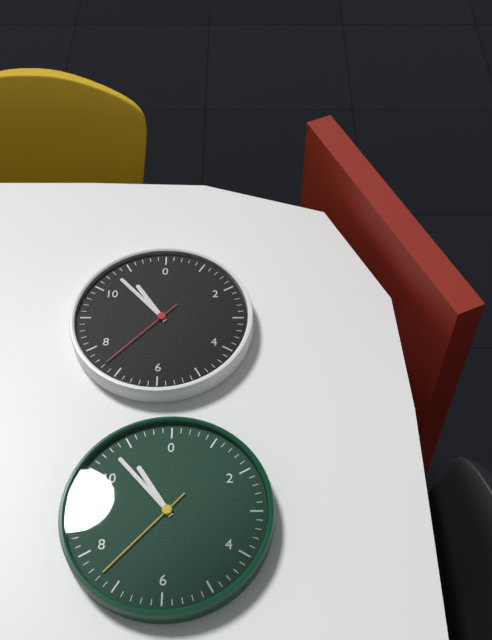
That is **10:53:37**
